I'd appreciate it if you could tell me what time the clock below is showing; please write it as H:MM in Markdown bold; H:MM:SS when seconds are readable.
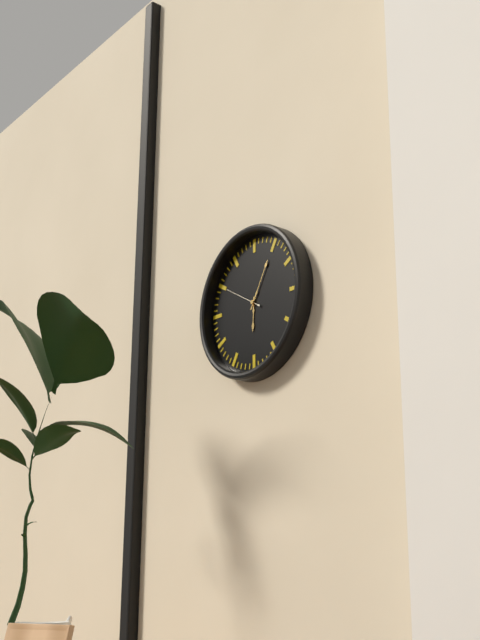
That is **6:05**
